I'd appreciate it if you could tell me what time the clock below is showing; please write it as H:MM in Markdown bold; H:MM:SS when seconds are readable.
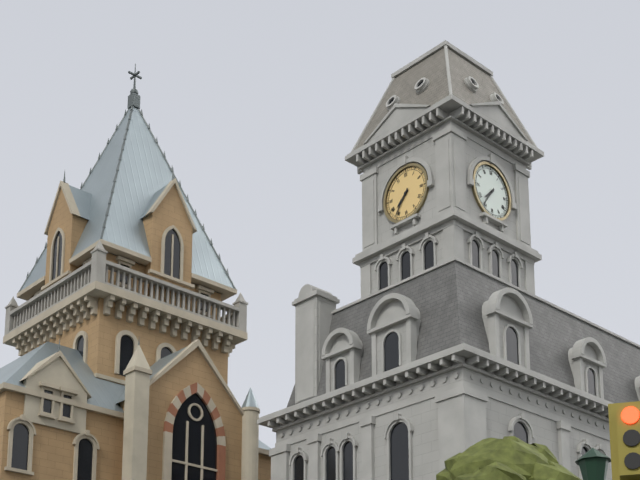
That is **7:36**
